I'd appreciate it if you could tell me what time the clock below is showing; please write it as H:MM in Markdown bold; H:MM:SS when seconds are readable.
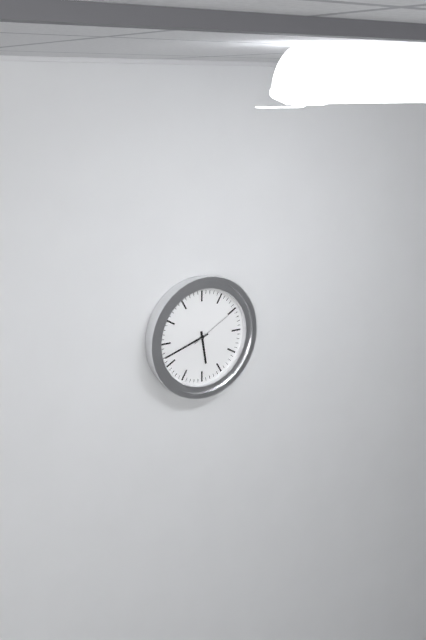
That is **5:42:10**
